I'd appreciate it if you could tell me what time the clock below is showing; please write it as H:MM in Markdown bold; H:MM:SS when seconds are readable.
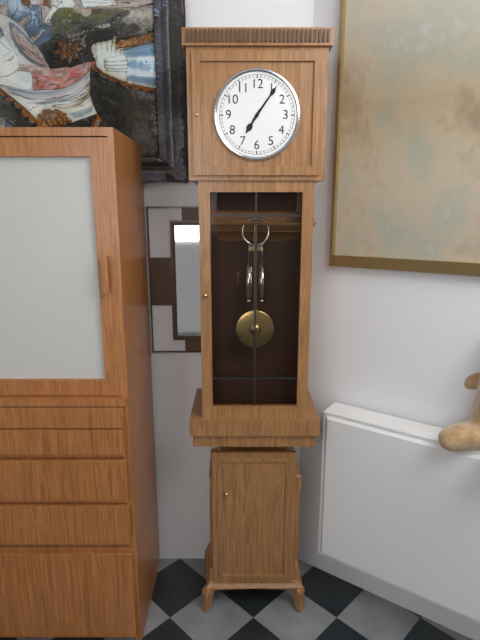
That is **7:06**
